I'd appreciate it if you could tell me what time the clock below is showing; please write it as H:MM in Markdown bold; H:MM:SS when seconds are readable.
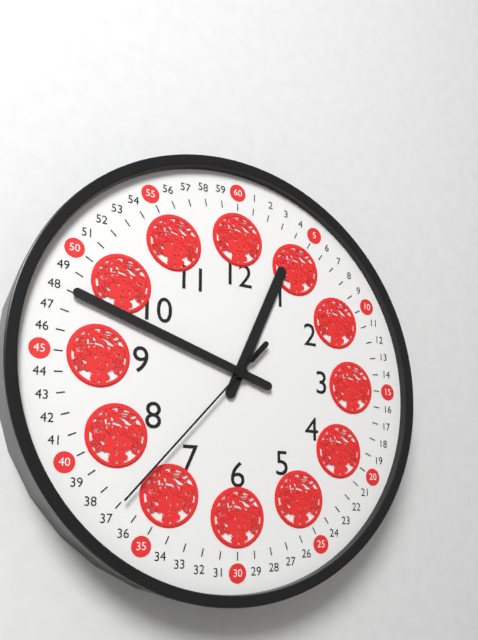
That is **12:48:37**
